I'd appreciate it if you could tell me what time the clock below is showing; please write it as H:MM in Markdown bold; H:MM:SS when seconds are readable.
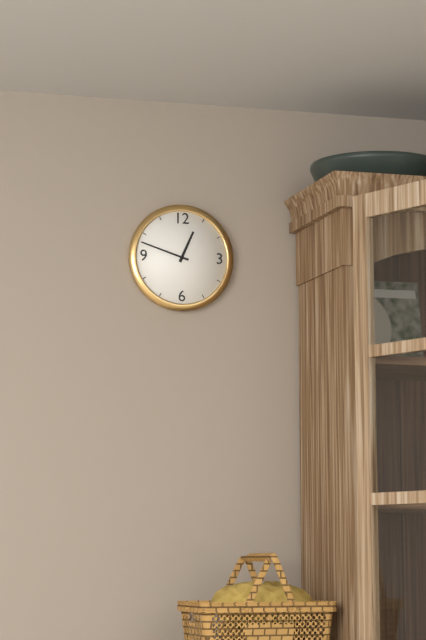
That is **12:48**
